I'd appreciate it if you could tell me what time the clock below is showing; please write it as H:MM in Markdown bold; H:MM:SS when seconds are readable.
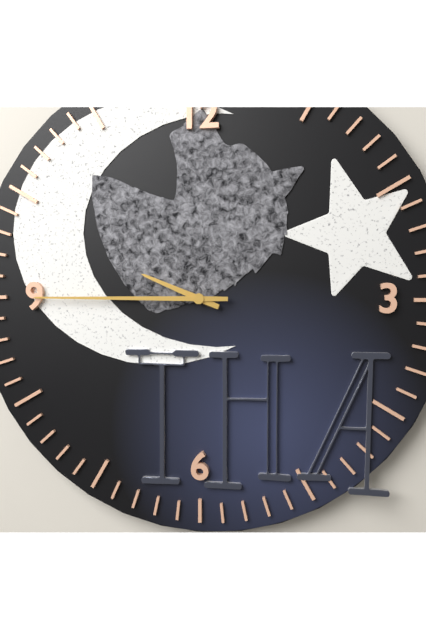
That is **9:45**
